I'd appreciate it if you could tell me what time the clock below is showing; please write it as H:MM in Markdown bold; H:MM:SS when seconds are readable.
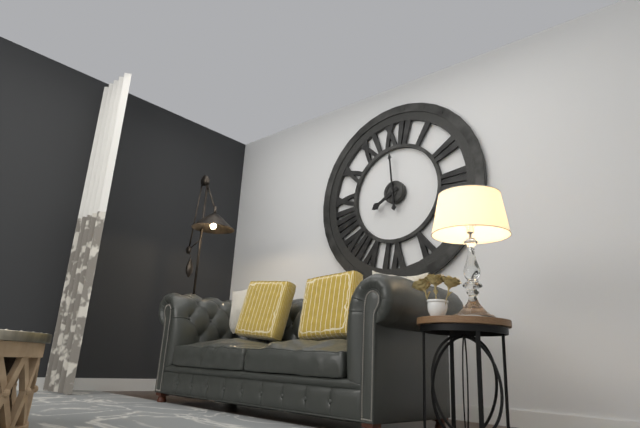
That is **7:59**
